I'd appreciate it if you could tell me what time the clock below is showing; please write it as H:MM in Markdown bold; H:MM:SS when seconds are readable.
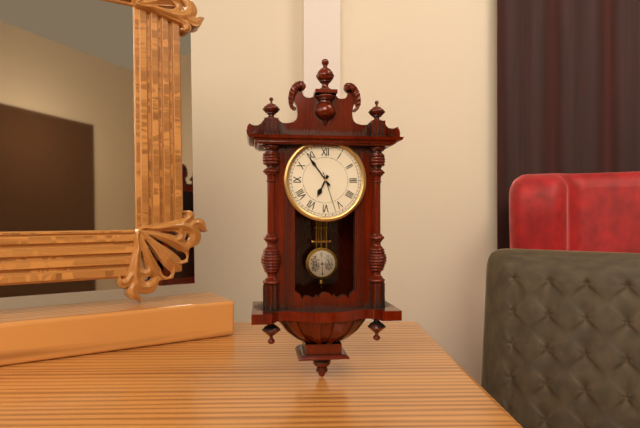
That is **6:54**
